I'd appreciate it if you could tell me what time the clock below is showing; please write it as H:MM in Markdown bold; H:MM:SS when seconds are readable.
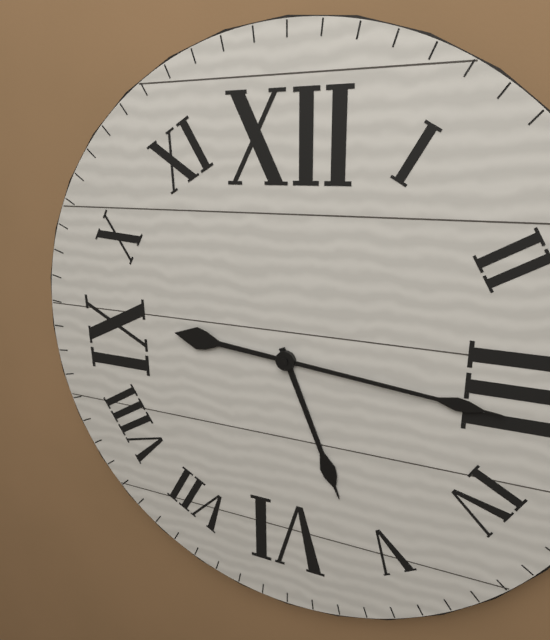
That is **5:16**
